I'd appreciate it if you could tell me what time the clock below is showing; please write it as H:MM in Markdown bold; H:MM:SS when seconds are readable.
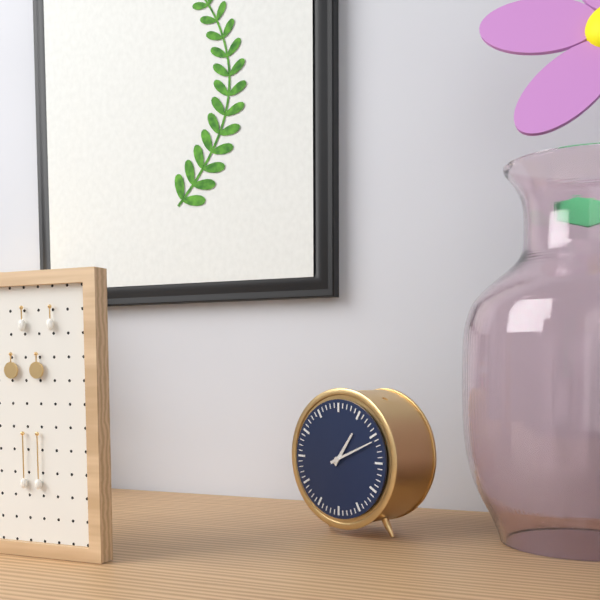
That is **1:11**
